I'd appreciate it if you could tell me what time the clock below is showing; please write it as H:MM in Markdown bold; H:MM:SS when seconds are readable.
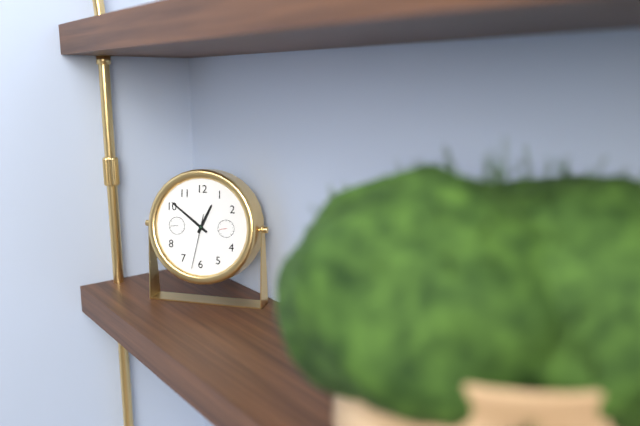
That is **12:51:32**
